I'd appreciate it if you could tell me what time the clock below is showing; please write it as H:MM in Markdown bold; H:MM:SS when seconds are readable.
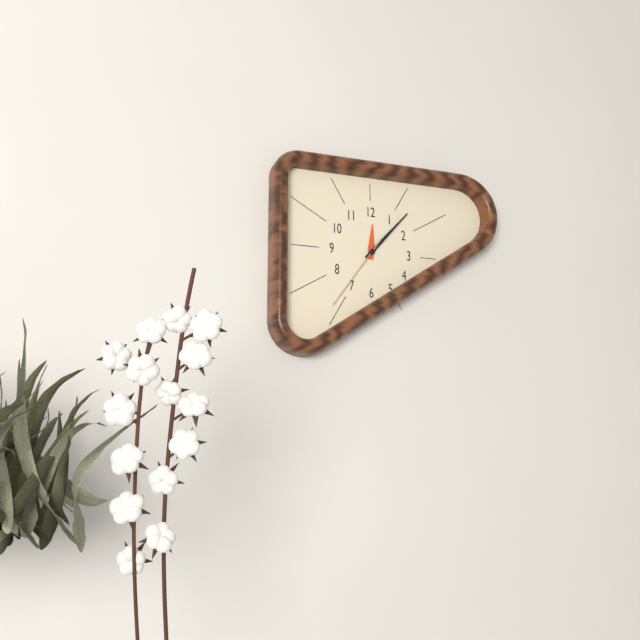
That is **12:07:36**
